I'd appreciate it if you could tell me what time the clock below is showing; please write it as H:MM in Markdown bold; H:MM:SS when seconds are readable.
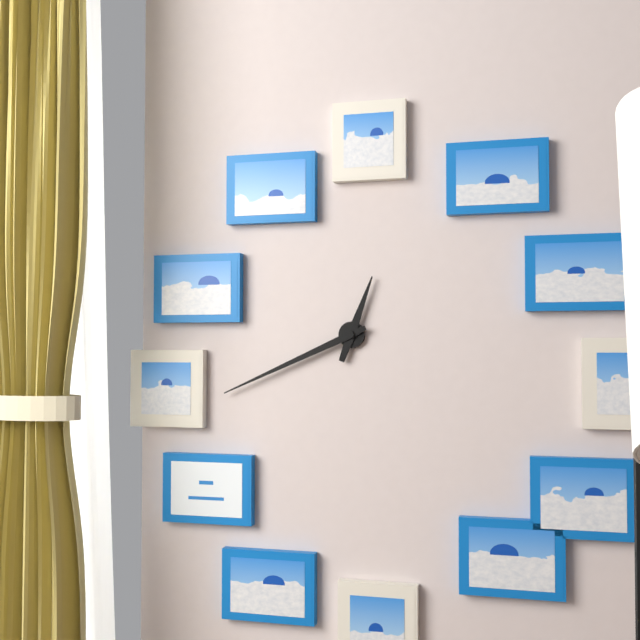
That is **12:41**
